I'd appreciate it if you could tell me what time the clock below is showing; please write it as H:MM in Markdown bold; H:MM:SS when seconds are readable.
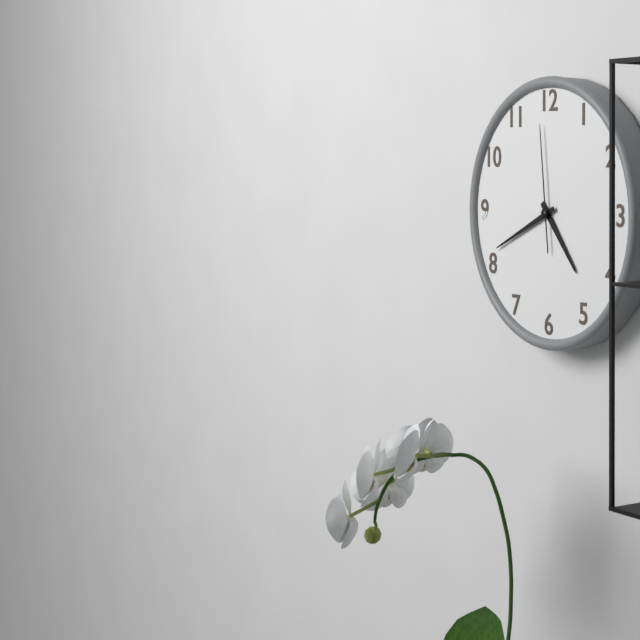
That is **4:41:59**
